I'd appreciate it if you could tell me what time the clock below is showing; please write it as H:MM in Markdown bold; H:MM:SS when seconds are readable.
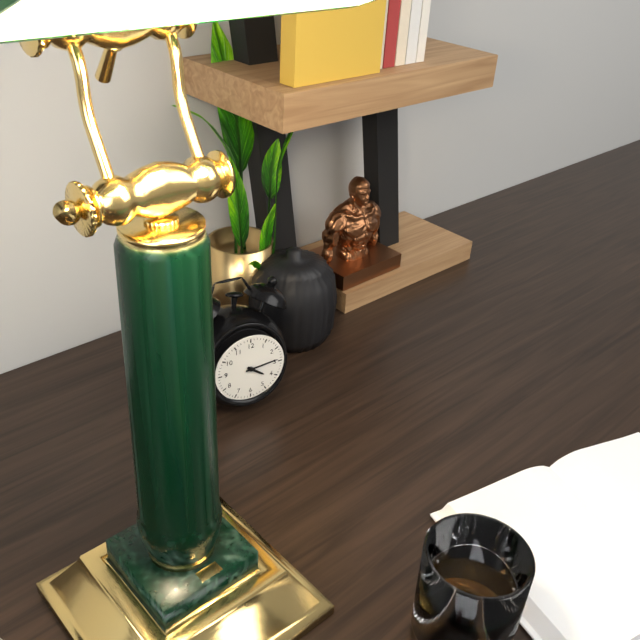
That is **4:14**
